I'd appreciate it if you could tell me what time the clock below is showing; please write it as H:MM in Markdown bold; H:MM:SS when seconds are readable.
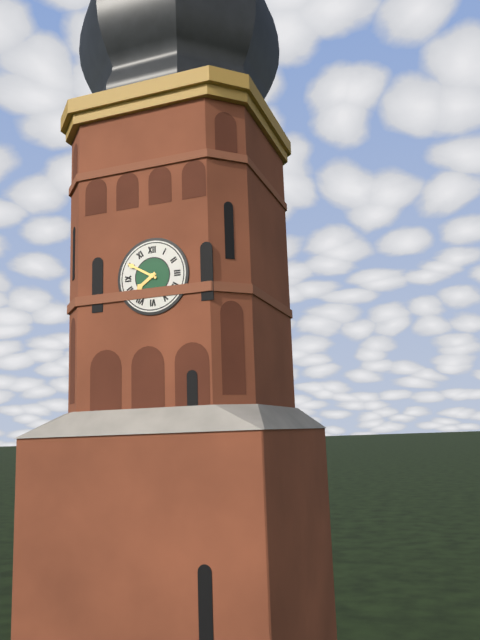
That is **7:50**
